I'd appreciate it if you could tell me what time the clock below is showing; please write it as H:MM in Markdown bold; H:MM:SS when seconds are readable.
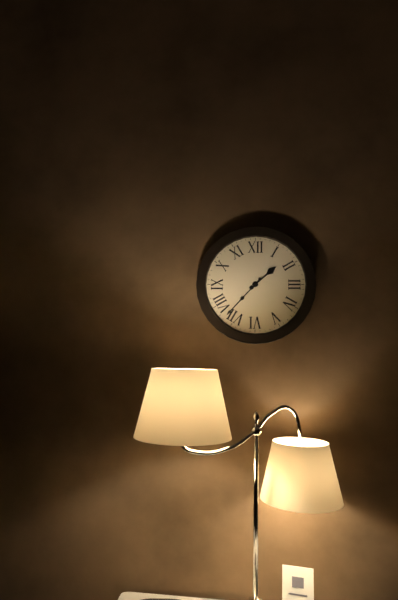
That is **1:37**
